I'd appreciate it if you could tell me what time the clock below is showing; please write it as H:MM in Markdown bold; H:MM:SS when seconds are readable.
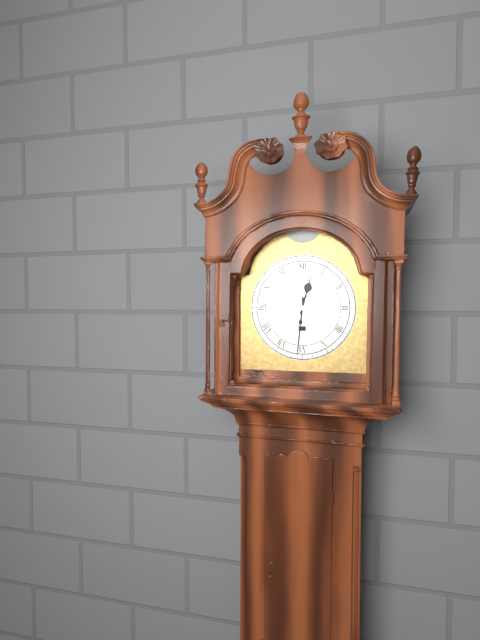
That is **12:31**
